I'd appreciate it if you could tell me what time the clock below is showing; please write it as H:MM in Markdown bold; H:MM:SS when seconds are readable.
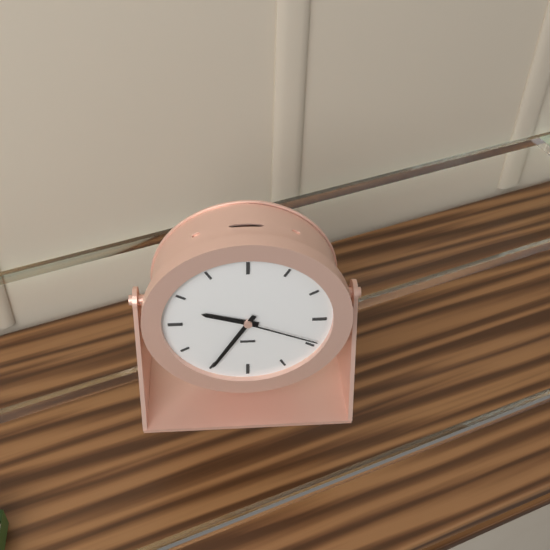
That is **9:35:19**
